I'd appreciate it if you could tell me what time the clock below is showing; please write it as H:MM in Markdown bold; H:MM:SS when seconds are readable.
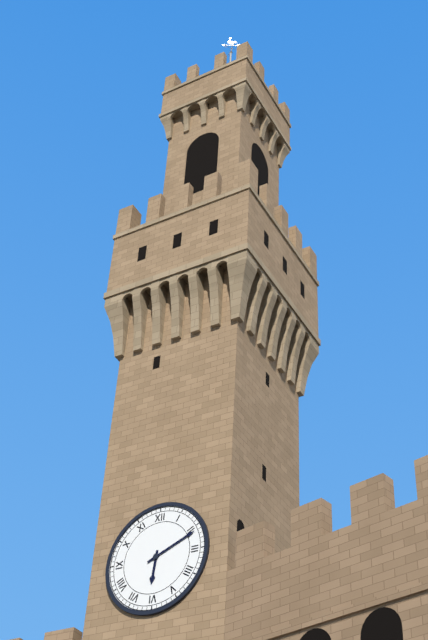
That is **6:11**
